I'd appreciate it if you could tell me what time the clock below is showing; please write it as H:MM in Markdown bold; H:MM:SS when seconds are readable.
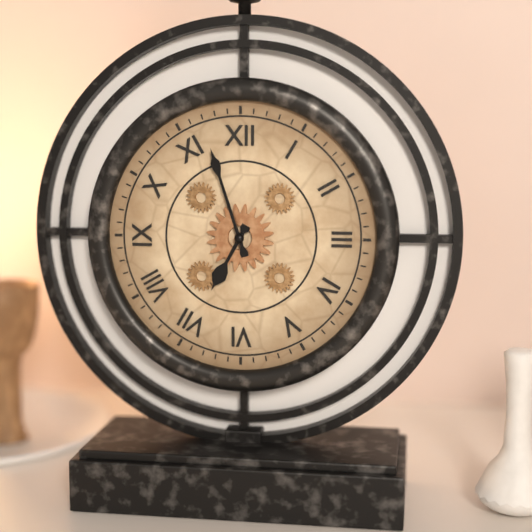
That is **6:57**
